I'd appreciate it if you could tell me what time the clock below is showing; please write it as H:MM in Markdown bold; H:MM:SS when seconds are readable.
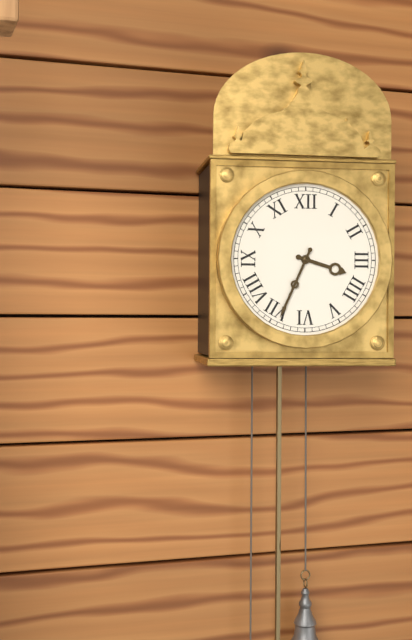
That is **3:34**
